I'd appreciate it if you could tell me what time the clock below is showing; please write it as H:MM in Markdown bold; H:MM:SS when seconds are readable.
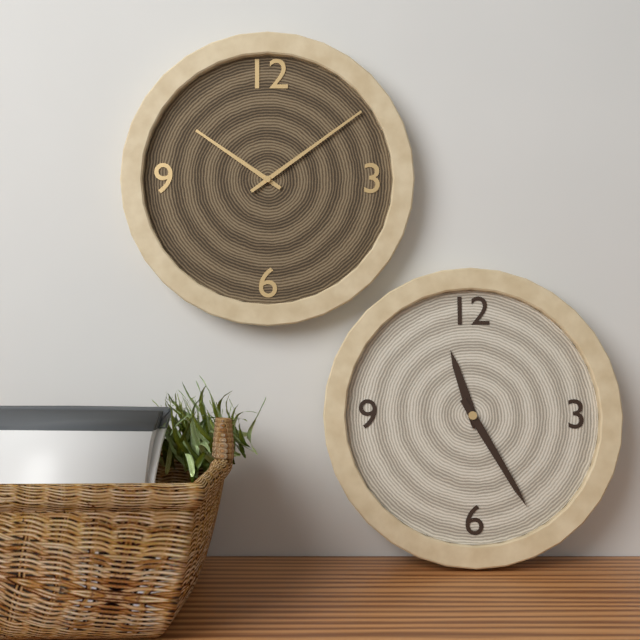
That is **11:25**
